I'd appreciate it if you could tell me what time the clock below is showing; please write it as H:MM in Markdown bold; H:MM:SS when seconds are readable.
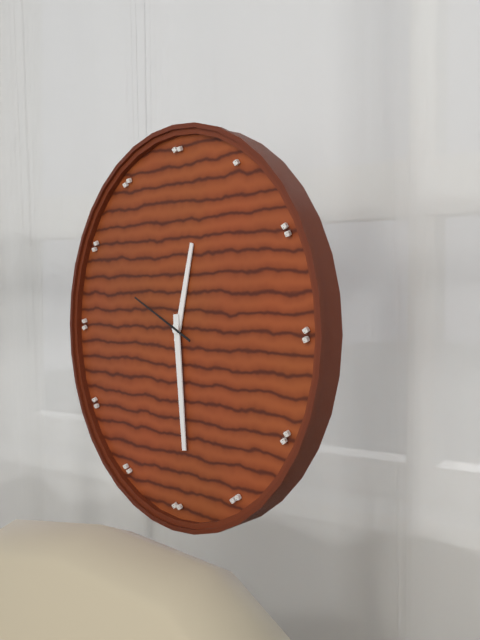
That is **12:29:49**
